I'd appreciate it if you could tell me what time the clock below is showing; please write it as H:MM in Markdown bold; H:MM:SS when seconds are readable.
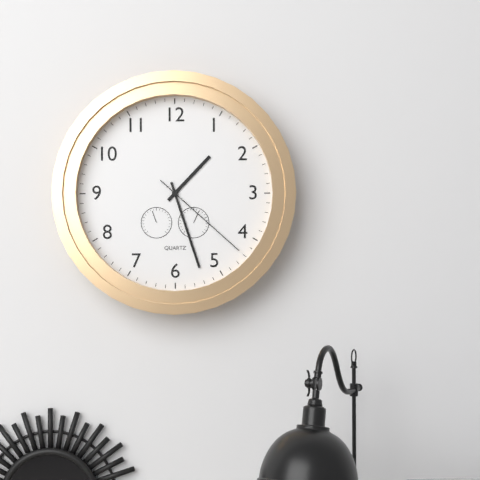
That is **1:27:22**
